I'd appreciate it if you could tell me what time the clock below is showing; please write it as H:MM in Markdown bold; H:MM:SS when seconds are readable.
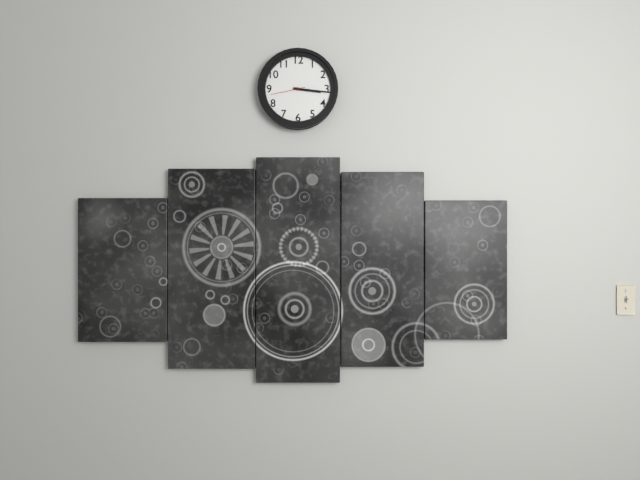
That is **3:16**
